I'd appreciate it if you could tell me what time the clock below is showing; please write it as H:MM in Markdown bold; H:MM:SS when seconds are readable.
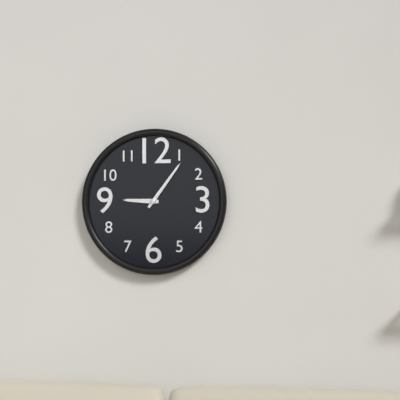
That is **9:06**
